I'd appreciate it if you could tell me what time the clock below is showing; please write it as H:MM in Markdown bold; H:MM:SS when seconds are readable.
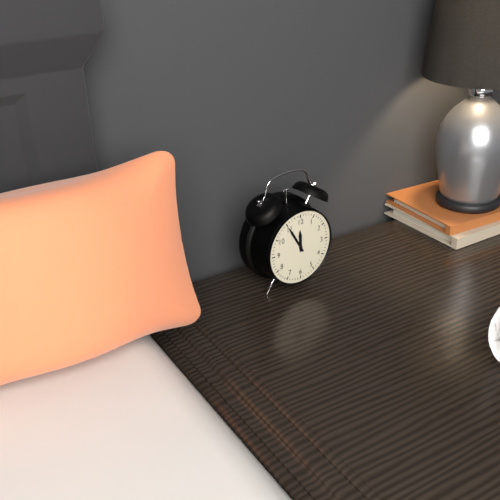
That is **11:55**
